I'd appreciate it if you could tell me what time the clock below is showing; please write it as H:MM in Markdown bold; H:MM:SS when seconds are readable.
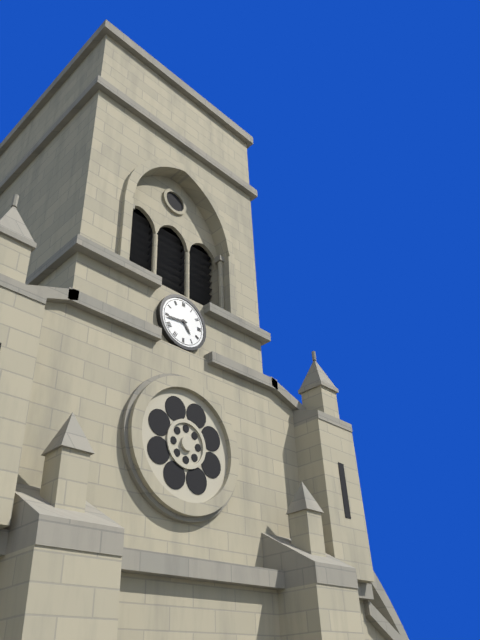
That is **4:44**
